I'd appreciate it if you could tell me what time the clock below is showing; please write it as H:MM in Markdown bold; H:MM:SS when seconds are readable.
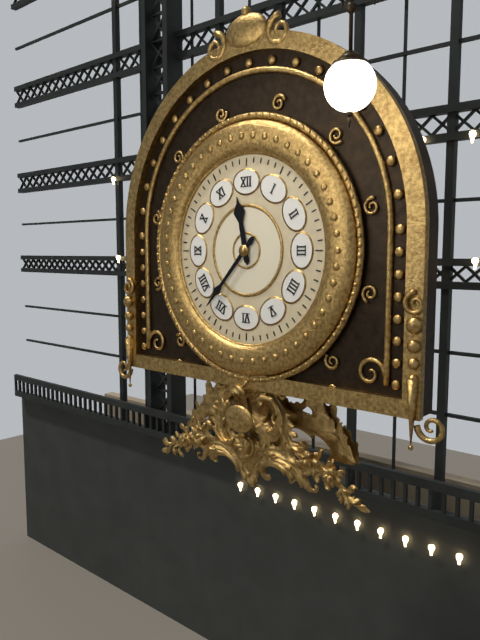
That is **11:37**
